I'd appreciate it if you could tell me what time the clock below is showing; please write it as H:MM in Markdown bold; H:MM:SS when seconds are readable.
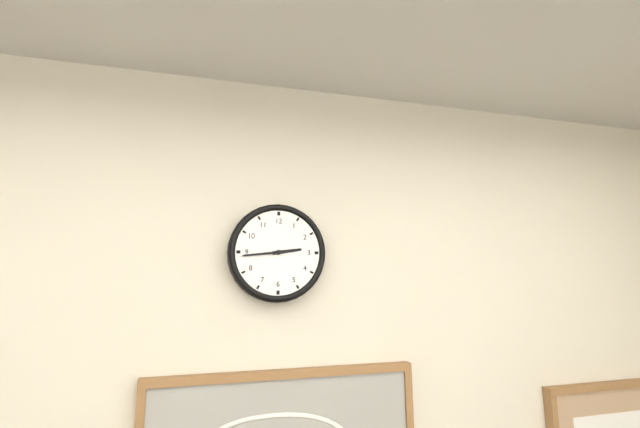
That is **2:44**
